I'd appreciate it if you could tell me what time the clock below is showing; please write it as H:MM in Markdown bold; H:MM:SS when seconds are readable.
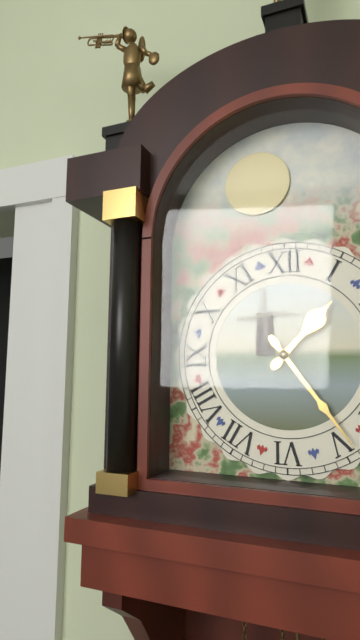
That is **1:24**
